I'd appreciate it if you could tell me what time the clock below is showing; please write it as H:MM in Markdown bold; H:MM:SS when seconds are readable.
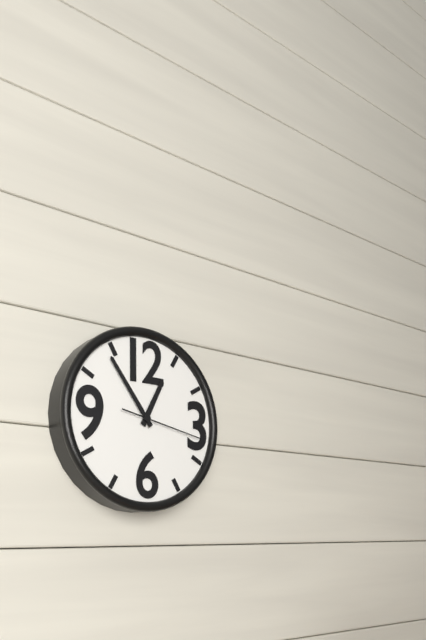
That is **12:54:17**
